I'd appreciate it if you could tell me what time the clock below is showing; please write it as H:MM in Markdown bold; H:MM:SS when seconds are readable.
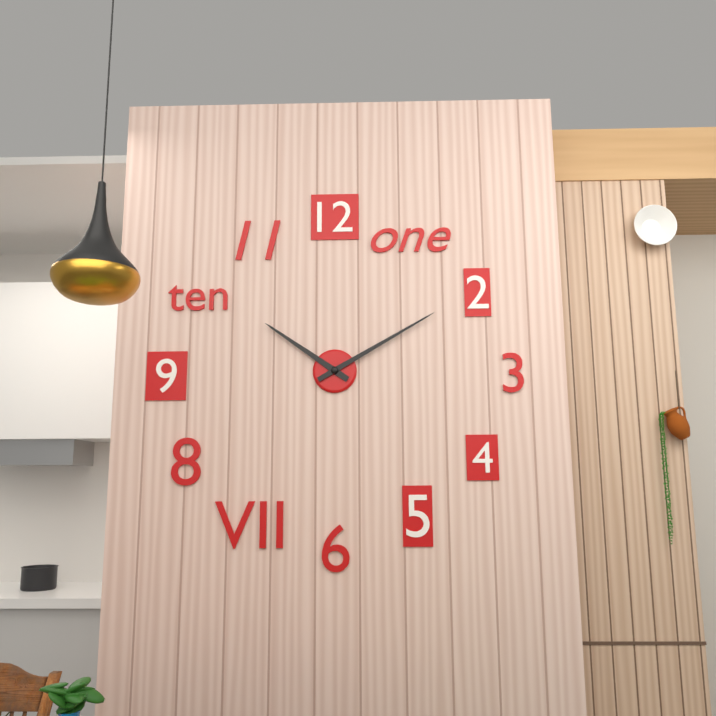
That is **10:10**
